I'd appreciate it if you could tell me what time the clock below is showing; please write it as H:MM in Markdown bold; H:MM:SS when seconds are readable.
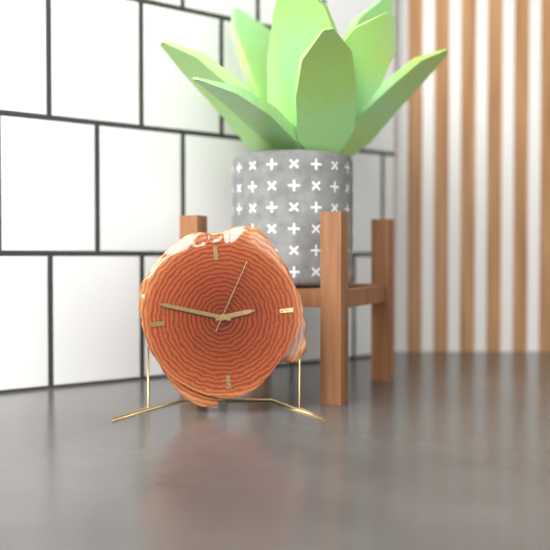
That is **2:48:05**
